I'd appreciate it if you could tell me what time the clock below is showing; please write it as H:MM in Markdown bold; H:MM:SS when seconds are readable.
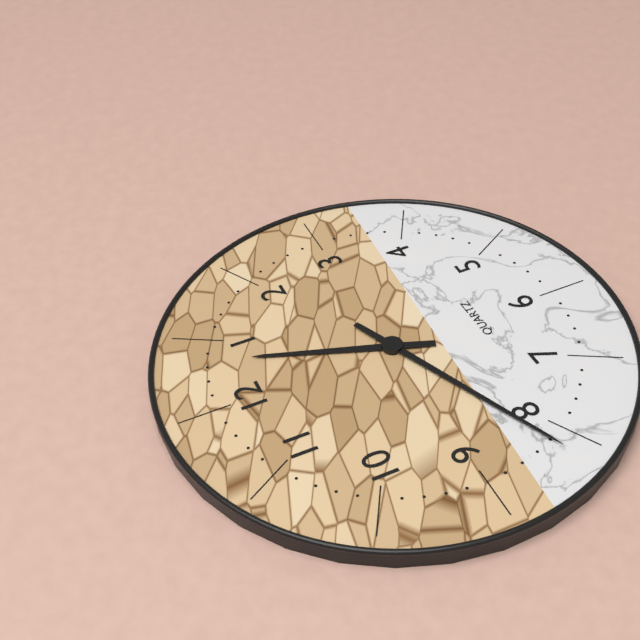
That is **12:41**
